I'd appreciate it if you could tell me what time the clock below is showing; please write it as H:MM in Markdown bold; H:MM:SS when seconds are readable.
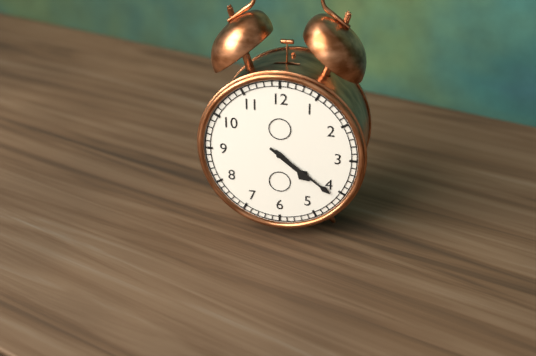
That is **4:21**
